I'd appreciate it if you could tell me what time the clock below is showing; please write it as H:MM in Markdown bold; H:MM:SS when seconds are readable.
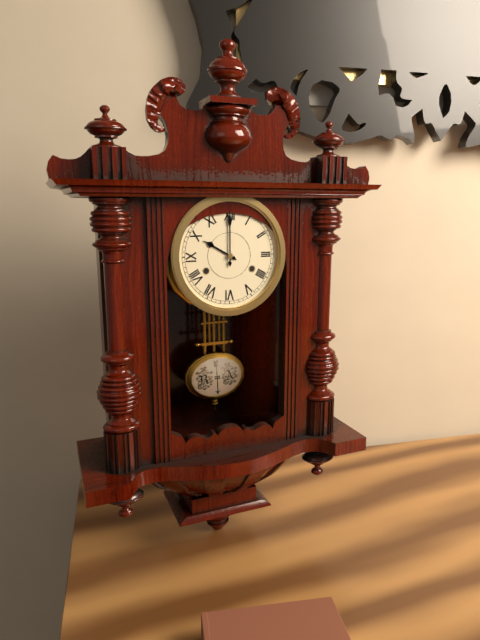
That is **10:00**
